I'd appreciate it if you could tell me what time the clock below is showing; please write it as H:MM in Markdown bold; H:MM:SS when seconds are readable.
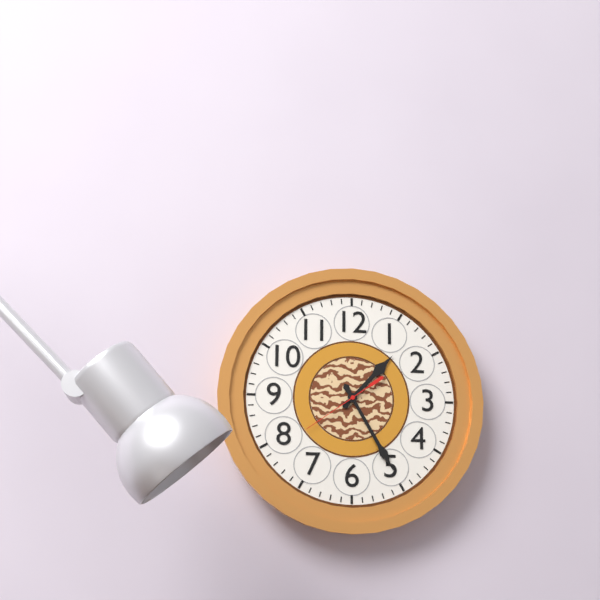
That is **1:25:39**
